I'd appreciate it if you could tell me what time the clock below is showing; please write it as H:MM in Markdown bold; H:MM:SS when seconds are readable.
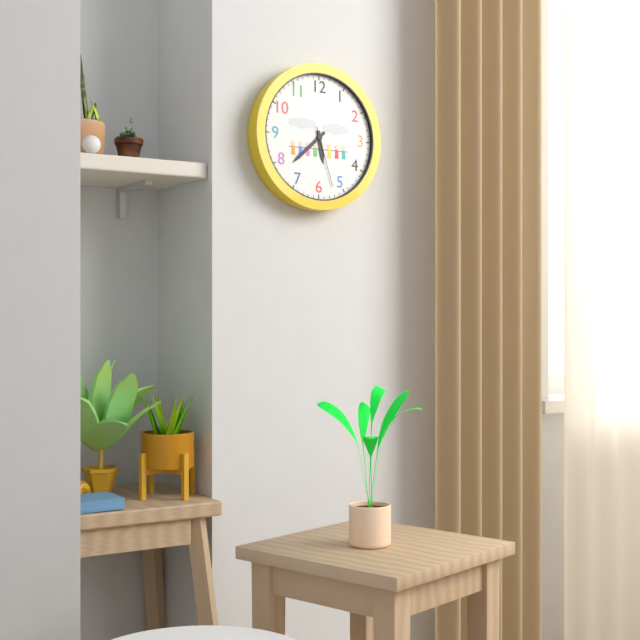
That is **5:38:27**
